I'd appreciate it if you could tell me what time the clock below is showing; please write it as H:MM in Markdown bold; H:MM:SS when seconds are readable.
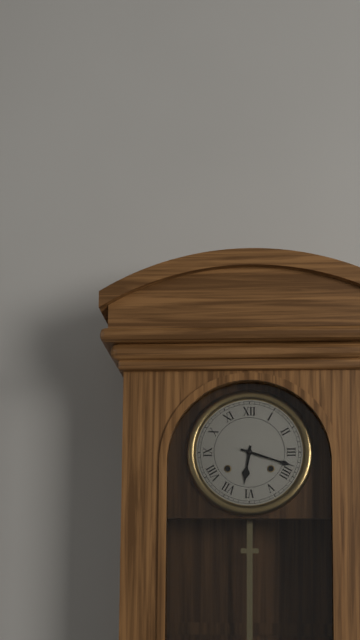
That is **6:18**
